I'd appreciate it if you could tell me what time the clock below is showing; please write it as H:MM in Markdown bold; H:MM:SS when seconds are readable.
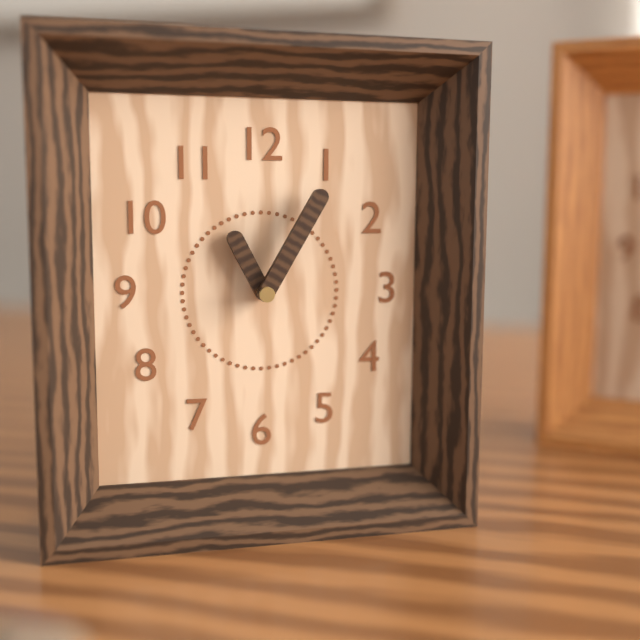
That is **11:05**
